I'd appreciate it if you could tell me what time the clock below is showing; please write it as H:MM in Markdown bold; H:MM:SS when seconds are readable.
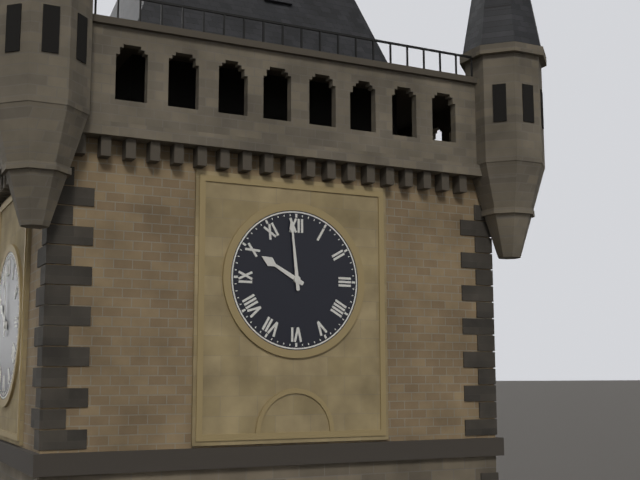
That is **9:59**
